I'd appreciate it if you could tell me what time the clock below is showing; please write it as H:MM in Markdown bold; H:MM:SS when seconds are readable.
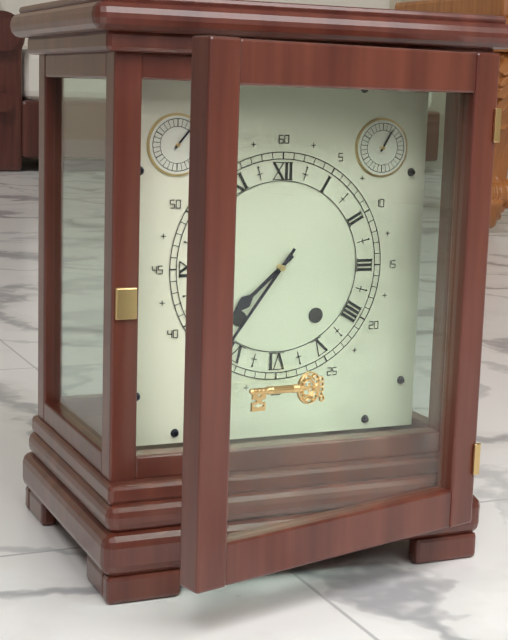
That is **7:36**
